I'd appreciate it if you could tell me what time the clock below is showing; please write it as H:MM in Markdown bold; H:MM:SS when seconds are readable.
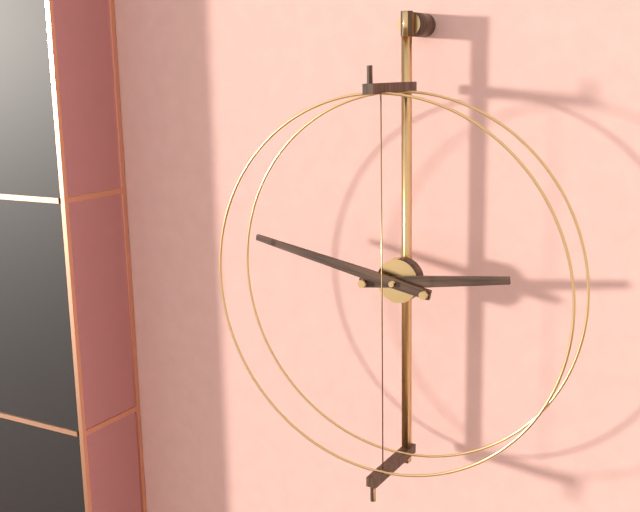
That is **2:47**
